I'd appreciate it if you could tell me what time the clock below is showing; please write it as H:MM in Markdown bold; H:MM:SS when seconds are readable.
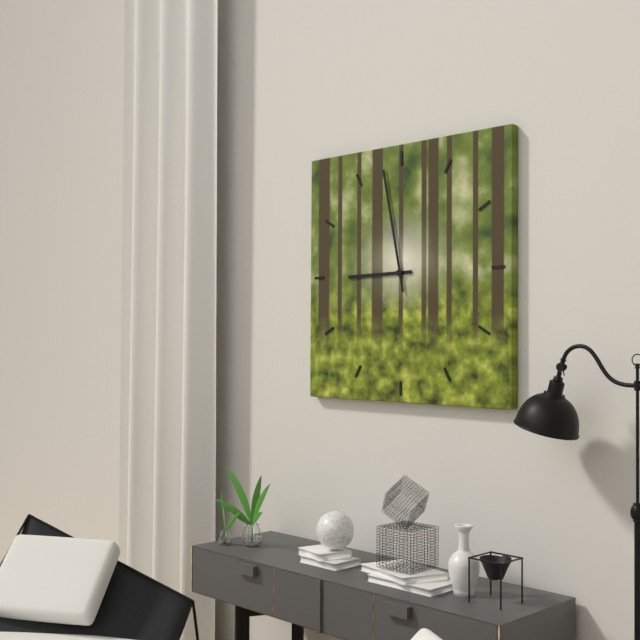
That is **8:58**
